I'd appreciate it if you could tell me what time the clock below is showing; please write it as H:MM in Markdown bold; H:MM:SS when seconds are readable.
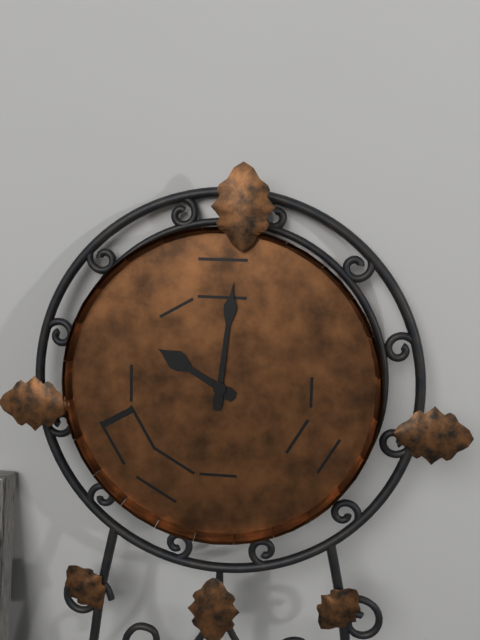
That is **10:01**
